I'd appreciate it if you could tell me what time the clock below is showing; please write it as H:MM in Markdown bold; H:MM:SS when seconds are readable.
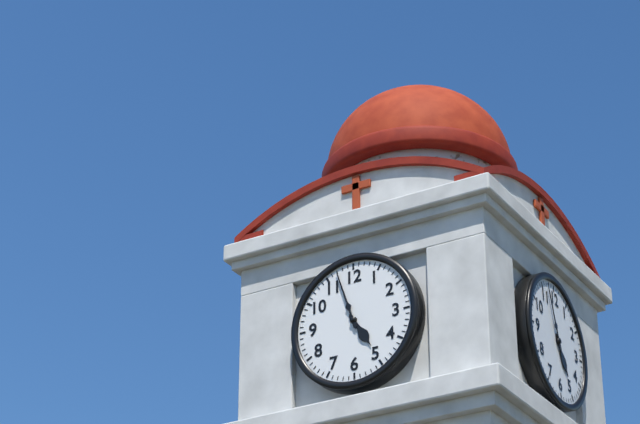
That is **4:57**
